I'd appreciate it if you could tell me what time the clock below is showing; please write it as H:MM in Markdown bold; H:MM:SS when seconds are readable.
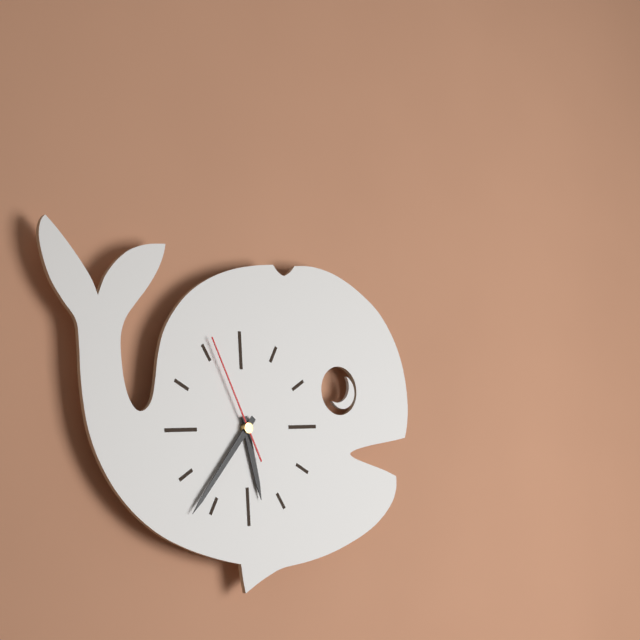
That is **5:37:56**
